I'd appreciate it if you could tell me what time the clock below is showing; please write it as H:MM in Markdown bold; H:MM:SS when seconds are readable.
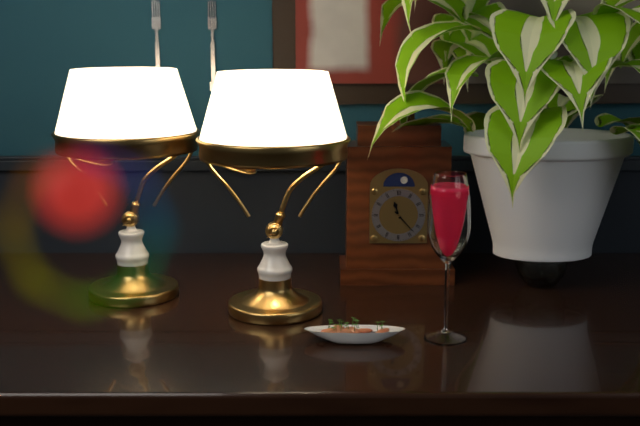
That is **11:23**
